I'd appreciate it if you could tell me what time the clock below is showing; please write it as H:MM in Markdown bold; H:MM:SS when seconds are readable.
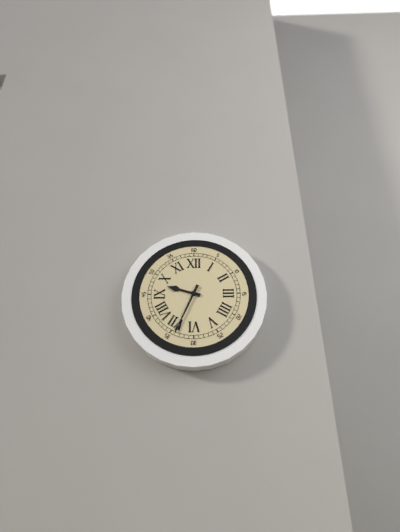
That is **9:34**
